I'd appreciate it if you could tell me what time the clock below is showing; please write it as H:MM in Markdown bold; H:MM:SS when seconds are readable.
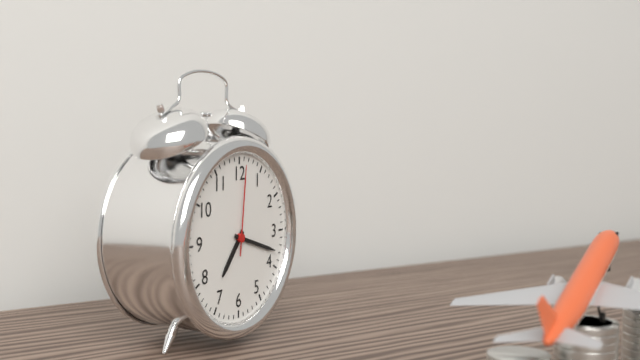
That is **7:18:01**
